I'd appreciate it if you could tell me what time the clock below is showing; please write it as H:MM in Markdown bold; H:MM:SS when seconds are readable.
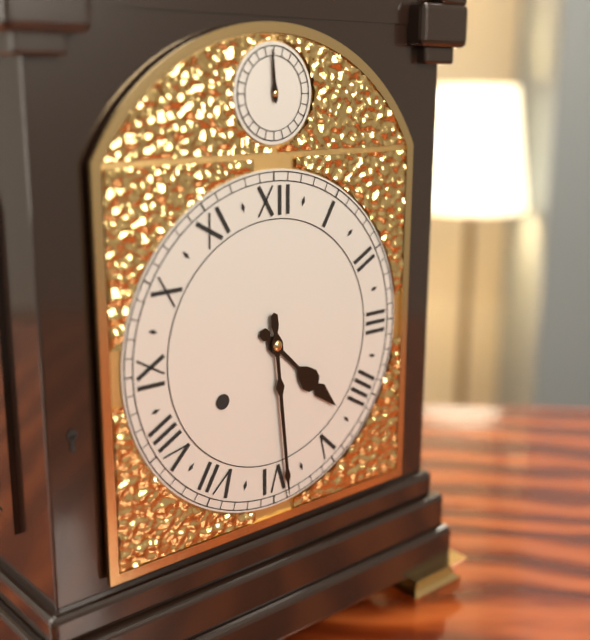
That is **4:29**
